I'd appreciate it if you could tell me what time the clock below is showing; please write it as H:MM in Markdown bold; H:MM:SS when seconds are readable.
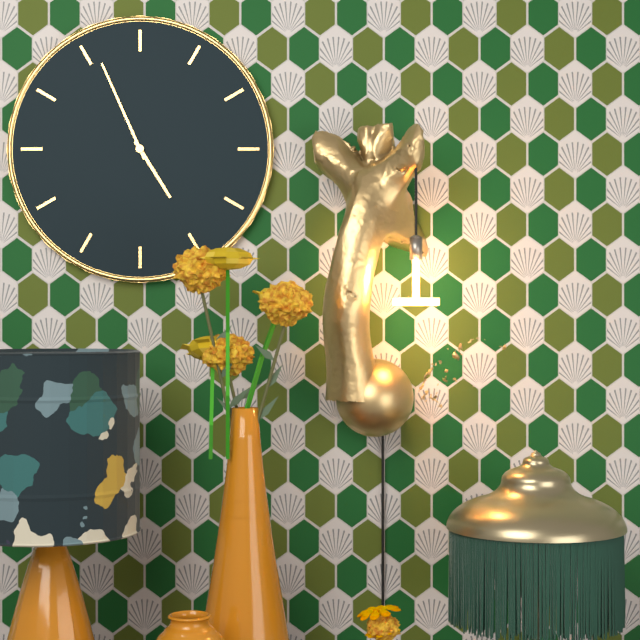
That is **4:56**
